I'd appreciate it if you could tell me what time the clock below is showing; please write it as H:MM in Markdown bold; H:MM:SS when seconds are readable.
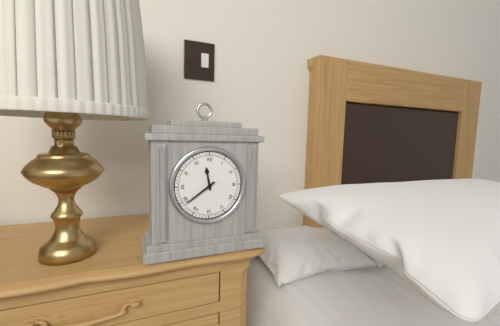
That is **11:39**
